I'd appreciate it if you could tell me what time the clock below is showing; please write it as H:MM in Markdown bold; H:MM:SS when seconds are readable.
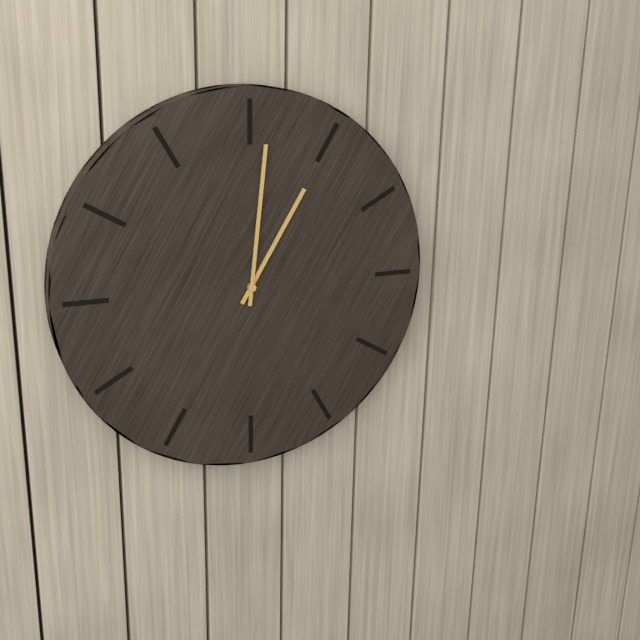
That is **1:01**
